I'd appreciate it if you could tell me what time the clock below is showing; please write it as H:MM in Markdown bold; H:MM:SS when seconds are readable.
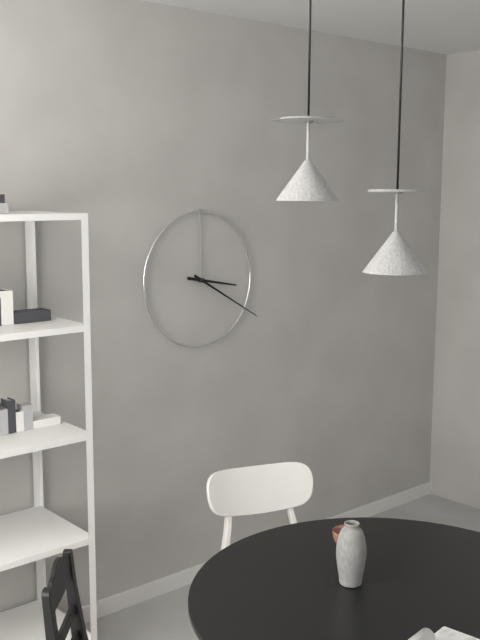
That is **3:20**
